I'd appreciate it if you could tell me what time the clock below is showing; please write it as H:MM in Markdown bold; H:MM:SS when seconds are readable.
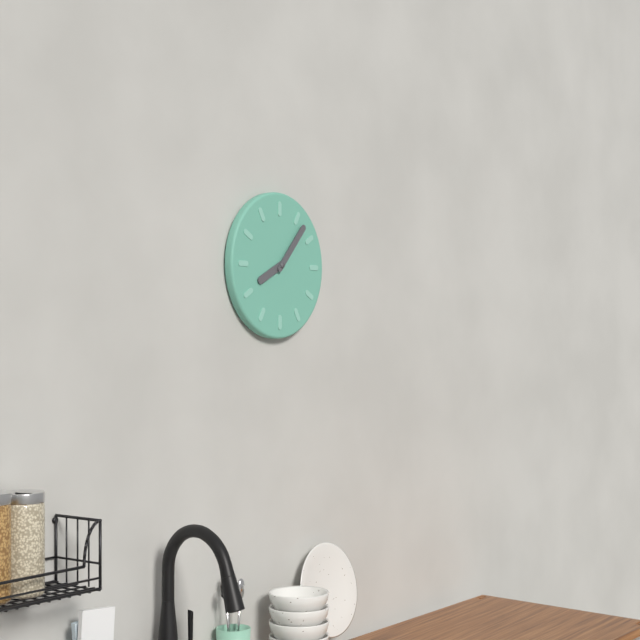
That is **8:07**
